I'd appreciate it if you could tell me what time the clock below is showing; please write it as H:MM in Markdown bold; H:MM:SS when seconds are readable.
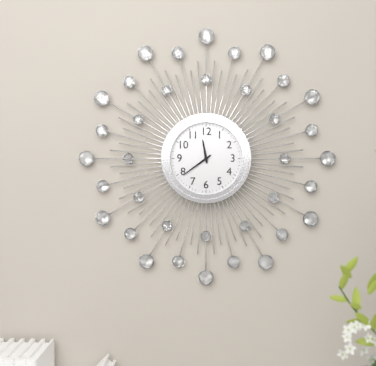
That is **11:39**
